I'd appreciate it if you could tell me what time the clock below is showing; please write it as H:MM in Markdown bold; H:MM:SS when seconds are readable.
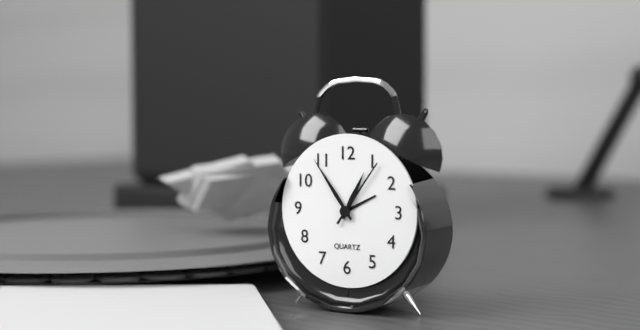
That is **12:54:06**
